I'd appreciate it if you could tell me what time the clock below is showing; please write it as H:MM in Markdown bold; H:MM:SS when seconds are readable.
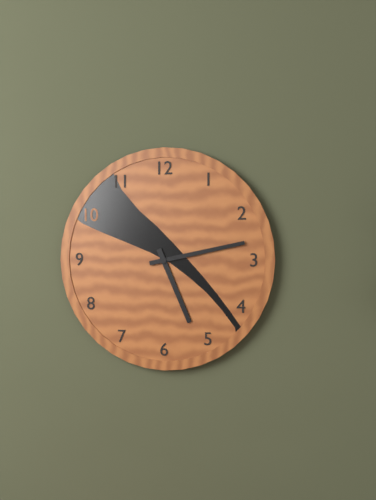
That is **5:13**
